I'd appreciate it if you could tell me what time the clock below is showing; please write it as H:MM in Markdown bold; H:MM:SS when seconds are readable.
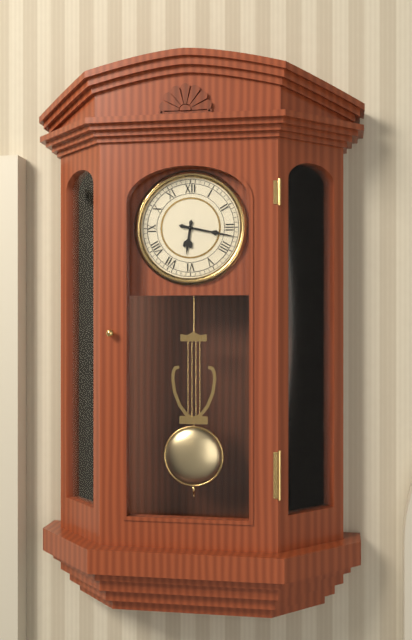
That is **6:17**
